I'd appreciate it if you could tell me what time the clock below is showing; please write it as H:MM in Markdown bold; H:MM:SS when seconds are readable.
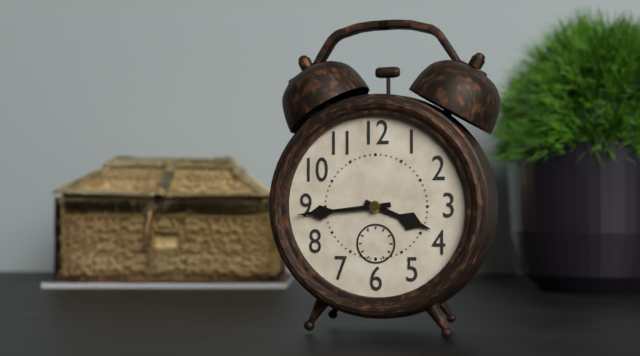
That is **3:44**
